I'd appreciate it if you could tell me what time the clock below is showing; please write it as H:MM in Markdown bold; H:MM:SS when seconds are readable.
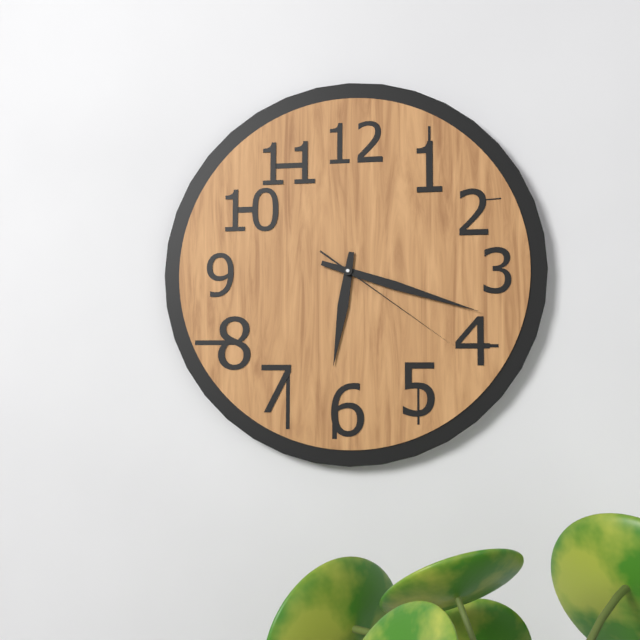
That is **6:18:21**
